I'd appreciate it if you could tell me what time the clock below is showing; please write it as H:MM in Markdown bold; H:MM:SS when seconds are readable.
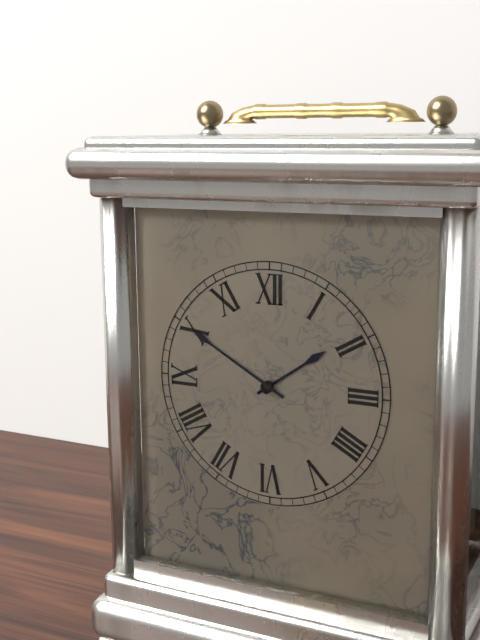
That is **1:50**
